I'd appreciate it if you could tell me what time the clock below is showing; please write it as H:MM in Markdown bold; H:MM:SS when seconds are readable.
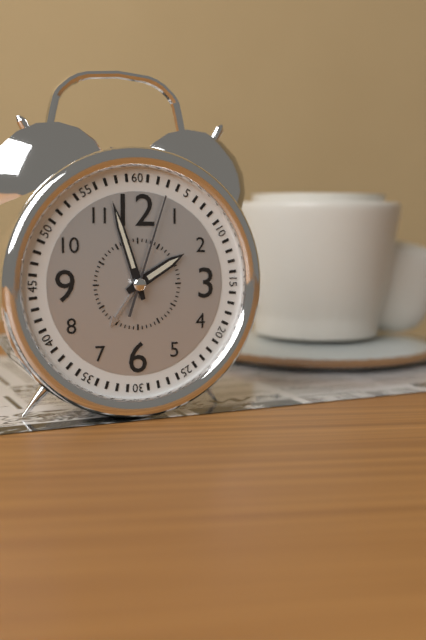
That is **1:57:03**
